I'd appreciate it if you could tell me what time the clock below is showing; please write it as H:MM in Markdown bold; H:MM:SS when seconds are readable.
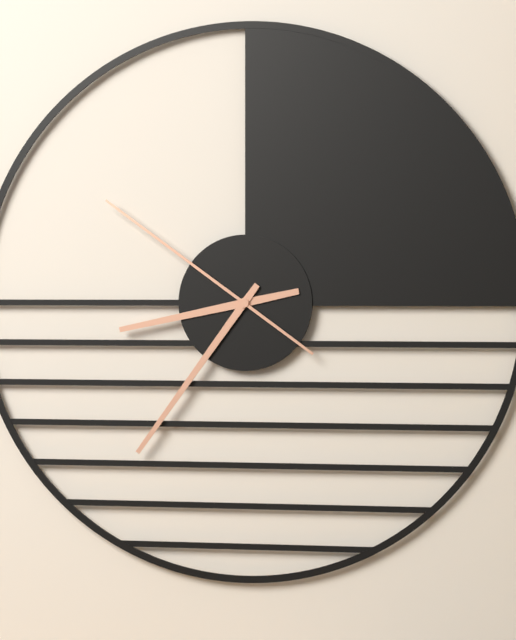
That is **8:36:51**
